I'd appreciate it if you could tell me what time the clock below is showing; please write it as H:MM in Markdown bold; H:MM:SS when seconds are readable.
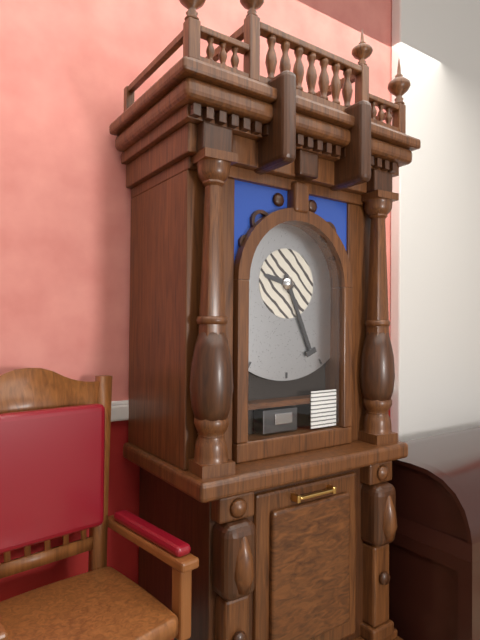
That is **9:26**
